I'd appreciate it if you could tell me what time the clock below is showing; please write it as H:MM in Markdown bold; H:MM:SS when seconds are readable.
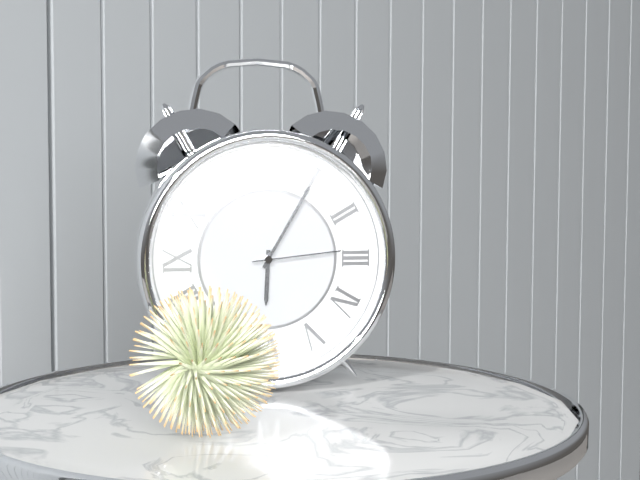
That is **6:05:14**
